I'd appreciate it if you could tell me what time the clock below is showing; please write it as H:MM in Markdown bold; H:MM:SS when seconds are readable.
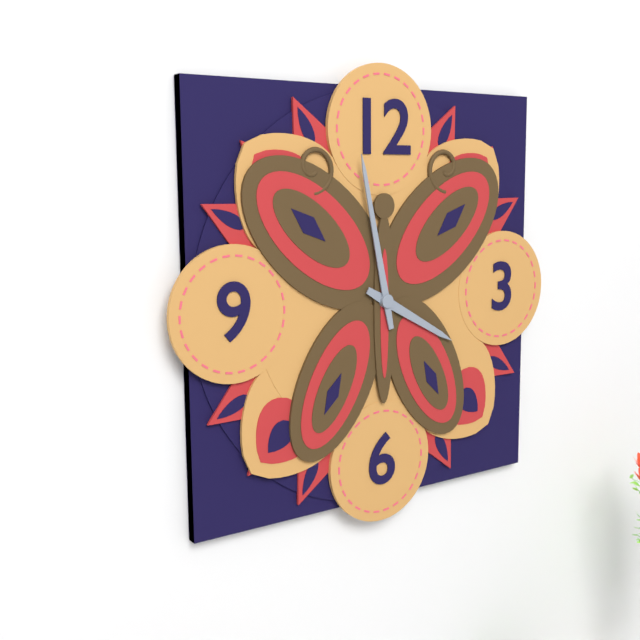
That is **3:58**
